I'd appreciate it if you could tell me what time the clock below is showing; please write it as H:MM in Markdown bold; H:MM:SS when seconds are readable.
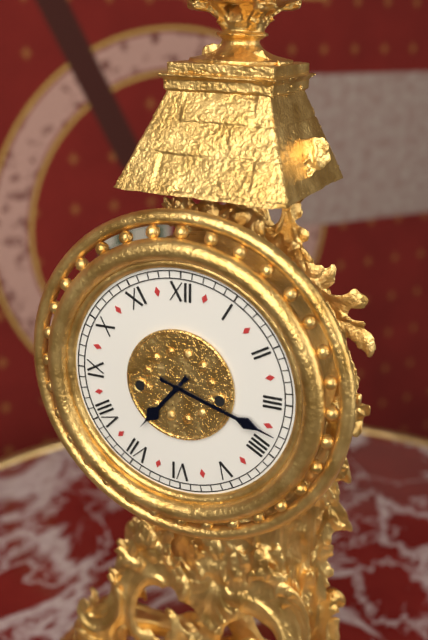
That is **7:18**
